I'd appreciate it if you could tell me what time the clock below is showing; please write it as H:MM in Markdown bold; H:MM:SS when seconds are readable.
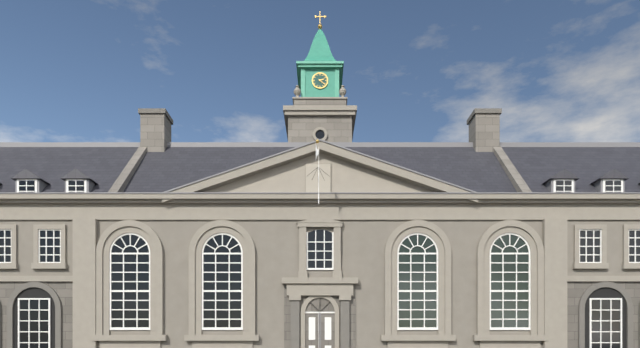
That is **2:22**
